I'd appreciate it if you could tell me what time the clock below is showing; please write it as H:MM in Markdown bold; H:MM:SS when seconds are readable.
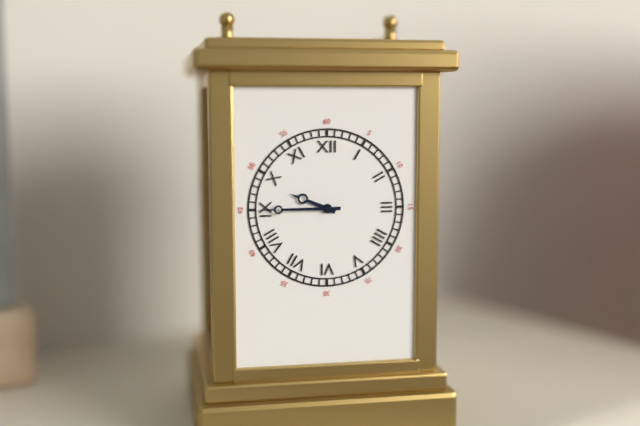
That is **9:45**
